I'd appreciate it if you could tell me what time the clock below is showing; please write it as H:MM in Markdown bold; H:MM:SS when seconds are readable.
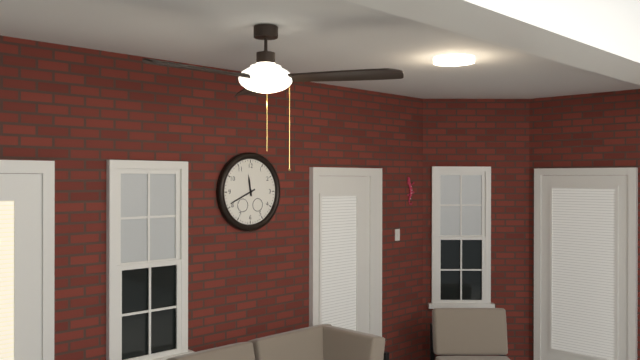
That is **11:41**
